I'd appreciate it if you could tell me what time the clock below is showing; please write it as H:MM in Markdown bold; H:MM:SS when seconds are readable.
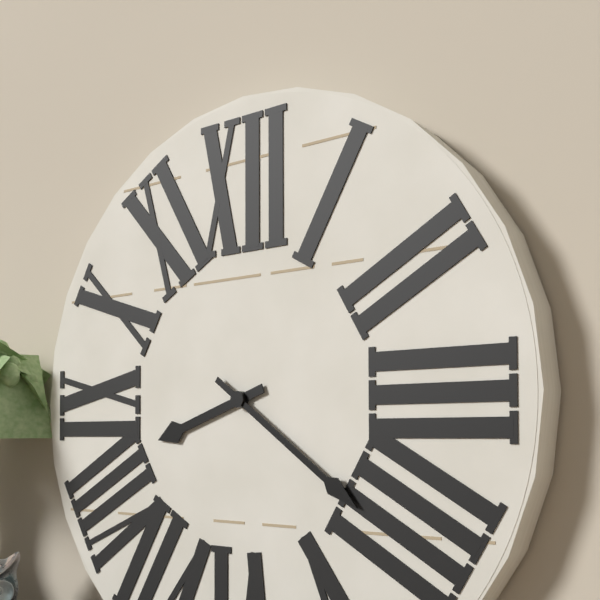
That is **8:21**
